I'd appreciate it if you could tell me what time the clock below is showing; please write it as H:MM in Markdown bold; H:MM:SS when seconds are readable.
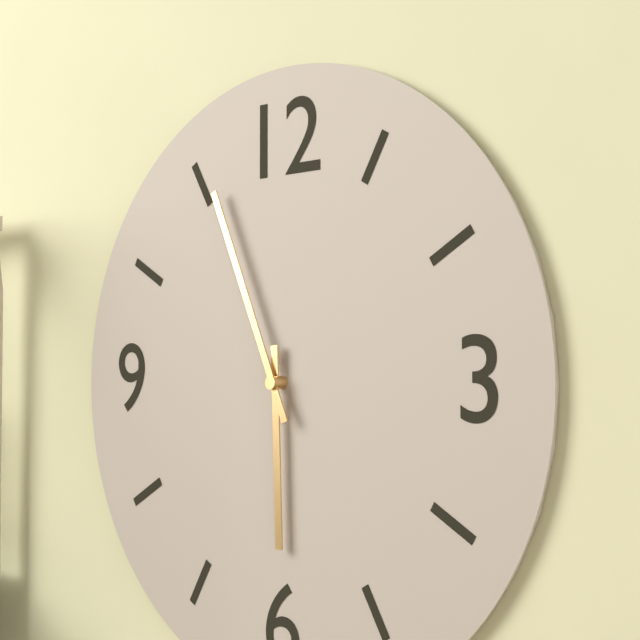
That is **5:56**
